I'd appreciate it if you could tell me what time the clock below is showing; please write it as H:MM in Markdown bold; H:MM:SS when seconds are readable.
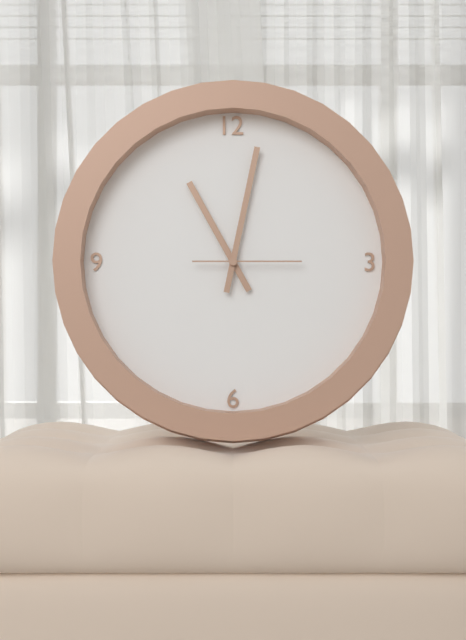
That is **11:02:15**
